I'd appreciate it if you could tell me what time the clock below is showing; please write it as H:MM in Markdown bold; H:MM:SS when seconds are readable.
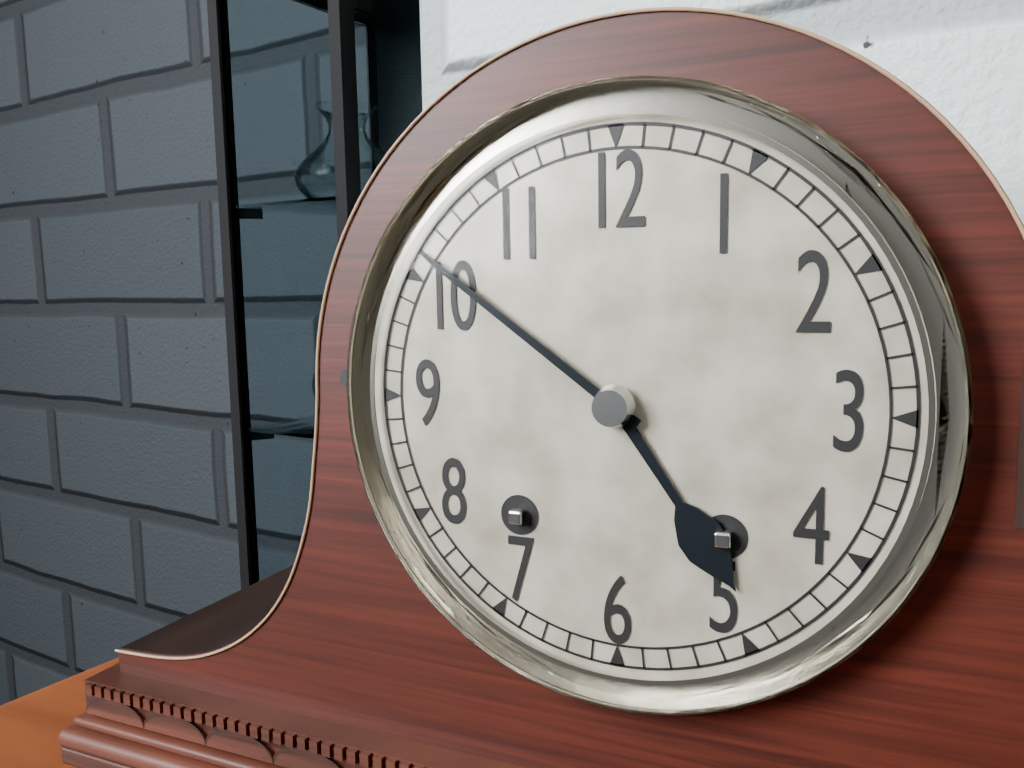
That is **4:51**
